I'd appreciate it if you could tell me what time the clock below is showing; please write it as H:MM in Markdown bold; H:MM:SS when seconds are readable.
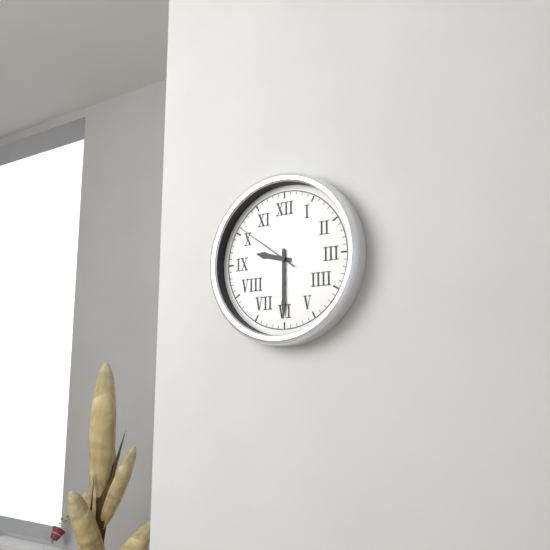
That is **9:30:51**
